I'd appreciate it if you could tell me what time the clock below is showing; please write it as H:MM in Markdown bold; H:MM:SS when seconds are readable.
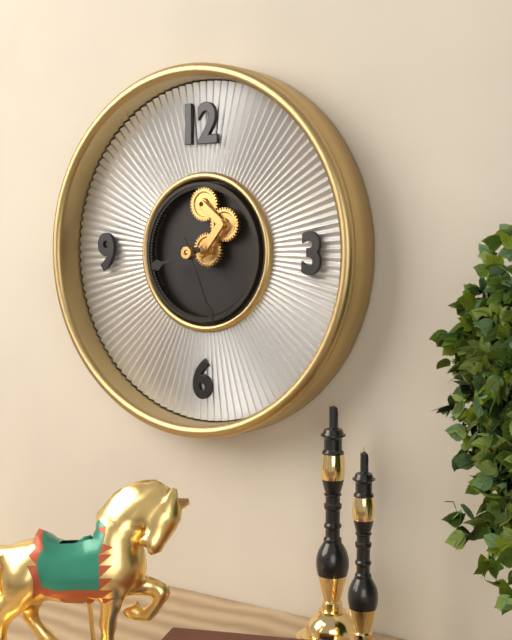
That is **8:26**
